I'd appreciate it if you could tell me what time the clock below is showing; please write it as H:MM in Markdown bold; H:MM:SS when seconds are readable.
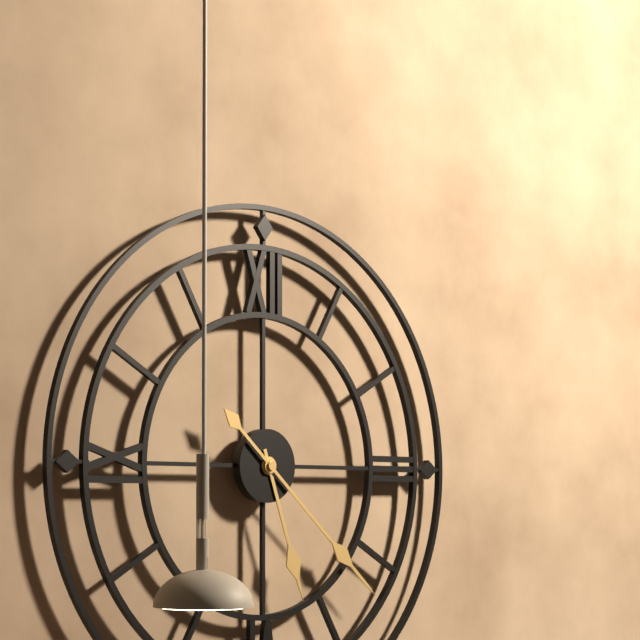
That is **5:22**
